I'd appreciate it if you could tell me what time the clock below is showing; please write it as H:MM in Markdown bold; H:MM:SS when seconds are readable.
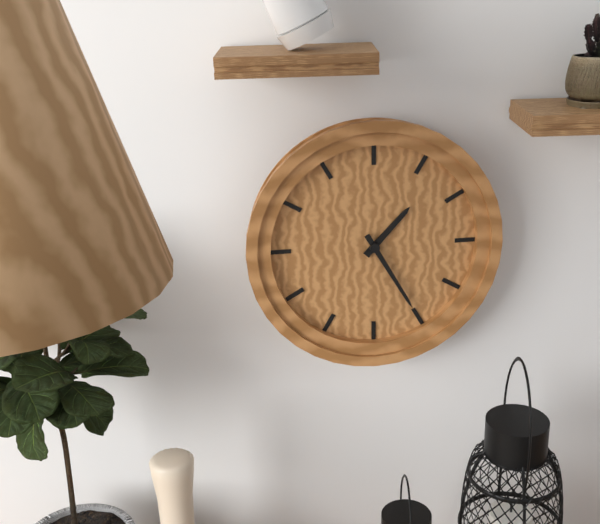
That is **1:25**
